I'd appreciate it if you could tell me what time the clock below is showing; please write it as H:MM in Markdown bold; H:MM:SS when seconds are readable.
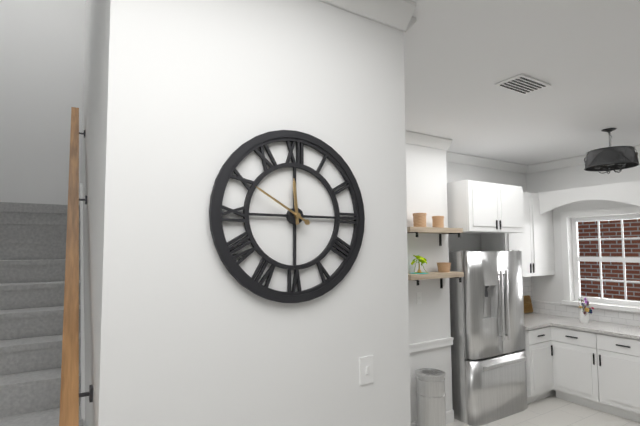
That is **11:50**
